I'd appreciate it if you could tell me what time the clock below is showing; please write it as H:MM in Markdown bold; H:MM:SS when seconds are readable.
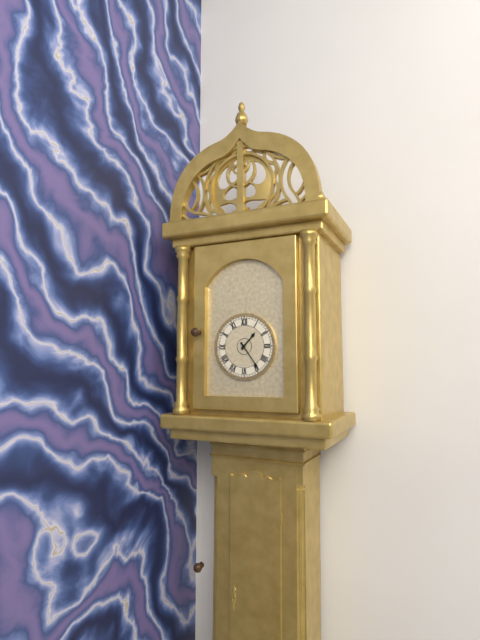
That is **1:24**
